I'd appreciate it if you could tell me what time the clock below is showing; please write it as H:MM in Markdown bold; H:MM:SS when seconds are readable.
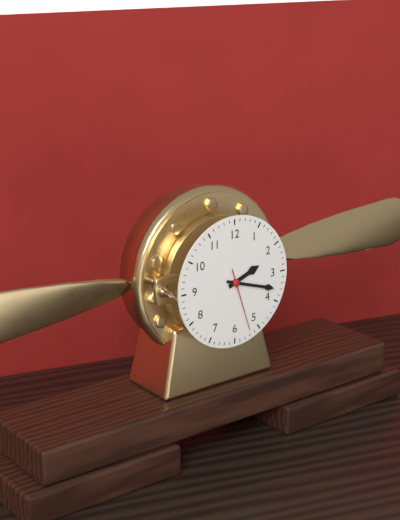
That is **2:18:27**
